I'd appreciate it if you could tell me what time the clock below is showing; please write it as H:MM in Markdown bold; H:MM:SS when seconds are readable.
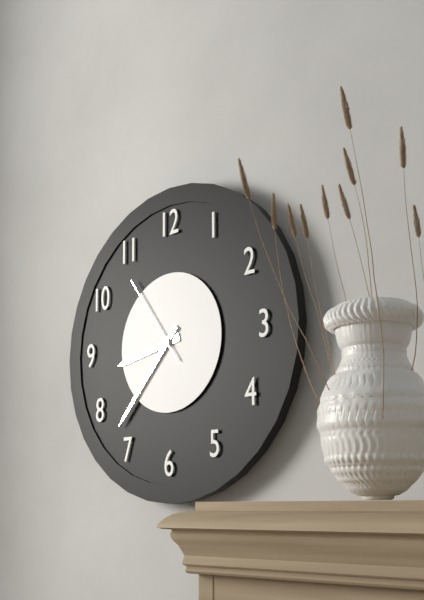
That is **8:37:54**
